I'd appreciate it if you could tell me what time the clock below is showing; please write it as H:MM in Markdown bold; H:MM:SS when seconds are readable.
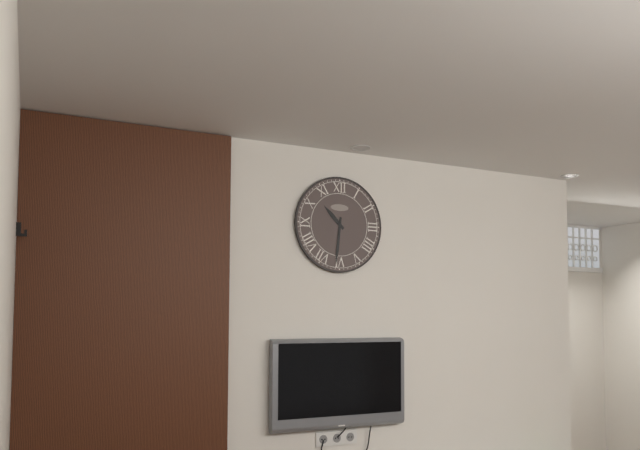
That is **10:31**
